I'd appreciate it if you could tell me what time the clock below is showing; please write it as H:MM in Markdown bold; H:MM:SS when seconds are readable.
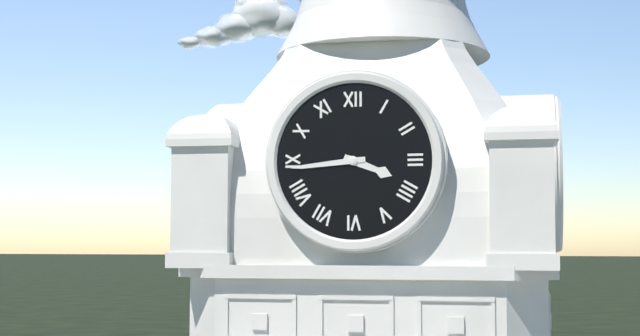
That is **3:44**
